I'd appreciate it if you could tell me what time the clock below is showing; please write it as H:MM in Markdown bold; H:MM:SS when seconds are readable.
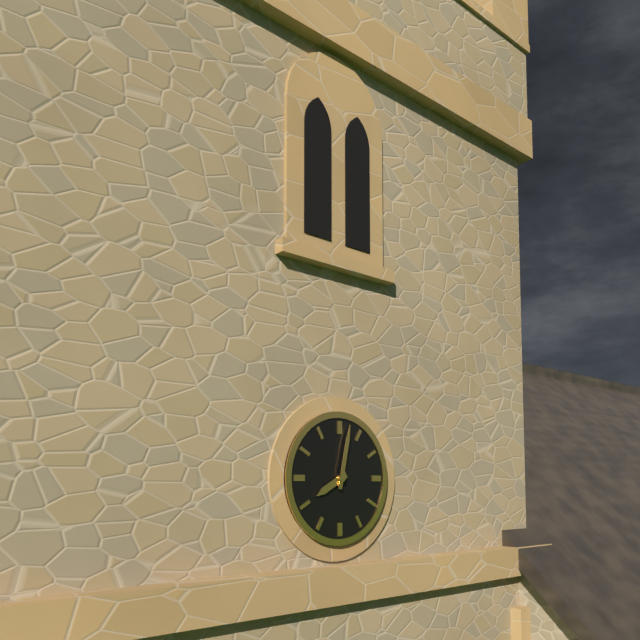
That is **8:02**
